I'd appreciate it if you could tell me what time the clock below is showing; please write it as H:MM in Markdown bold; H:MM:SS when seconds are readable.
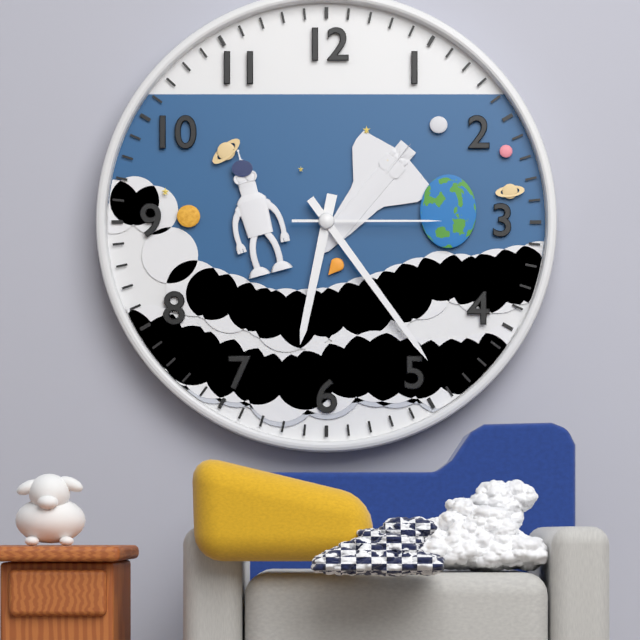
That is **6:24:15**
